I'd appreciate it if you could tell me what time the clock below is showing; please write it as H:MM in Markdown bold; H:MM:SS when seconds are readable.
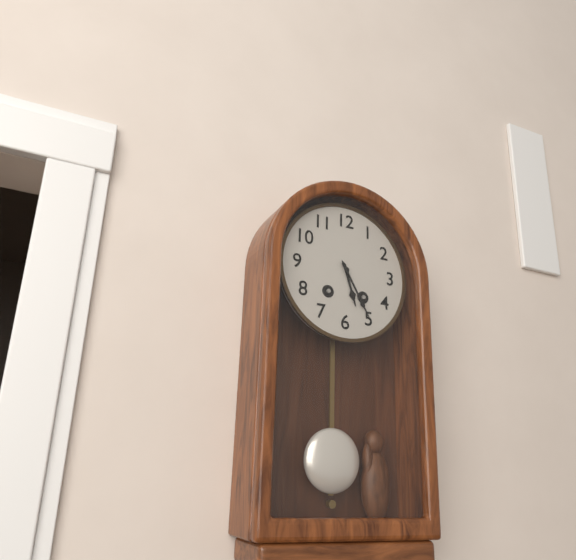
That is **5:25**
